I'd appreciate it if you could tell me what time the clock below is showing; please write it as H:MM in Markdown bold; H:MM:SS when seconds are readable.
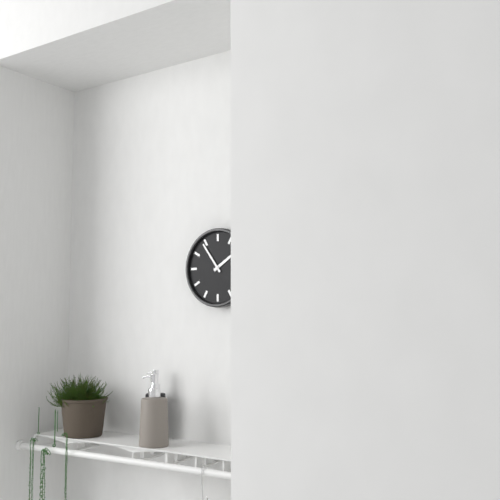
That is **1:54**
